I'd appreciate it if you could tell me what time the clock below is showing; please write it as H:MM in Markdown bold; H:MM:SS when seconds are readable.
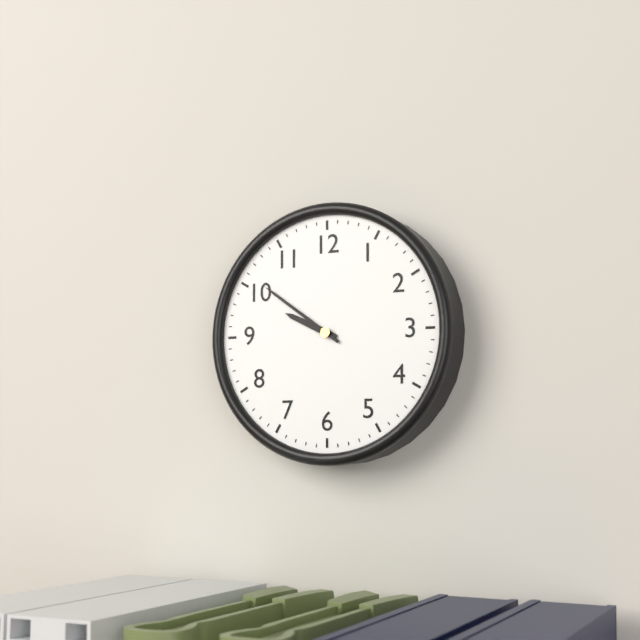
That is **9:51**
